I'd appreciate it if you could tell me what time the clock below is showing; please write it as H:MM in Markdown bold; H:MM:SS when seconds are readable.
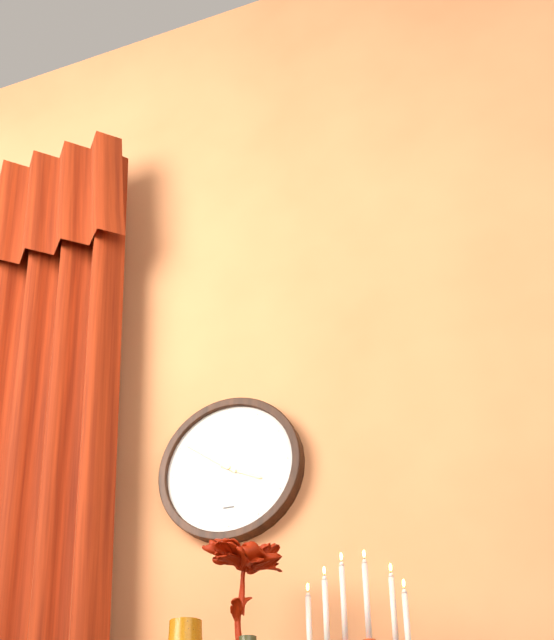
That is **3:51**
